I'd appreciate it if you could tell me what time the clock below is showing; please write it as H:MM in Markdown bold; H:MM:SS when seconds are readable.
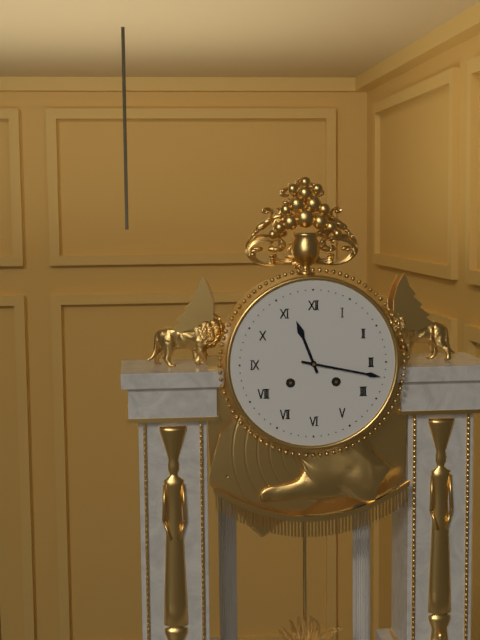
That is **11:17**
